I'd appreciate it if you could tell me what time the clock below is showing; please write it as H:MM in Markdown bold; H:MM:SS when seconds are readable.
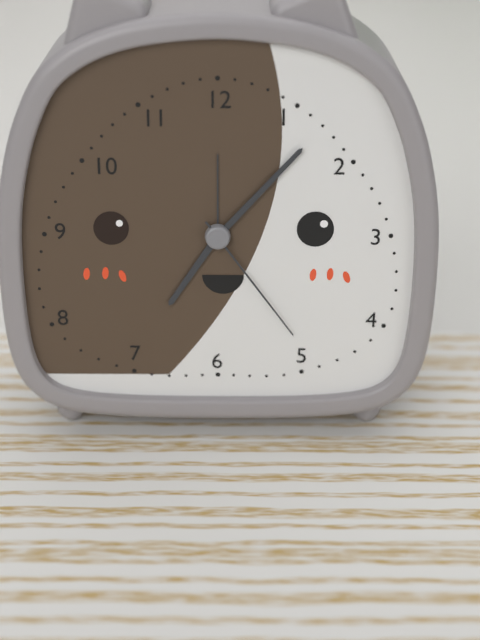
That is **7:07:24**
